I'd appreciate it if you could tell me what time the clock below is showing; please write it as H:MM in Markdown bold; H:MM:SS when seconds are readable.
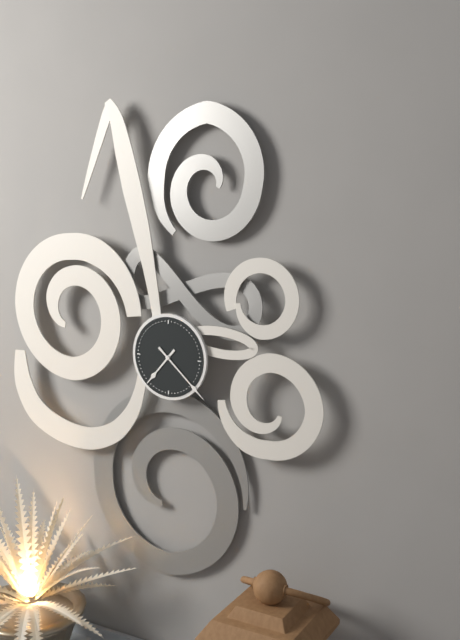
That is **7:22**
